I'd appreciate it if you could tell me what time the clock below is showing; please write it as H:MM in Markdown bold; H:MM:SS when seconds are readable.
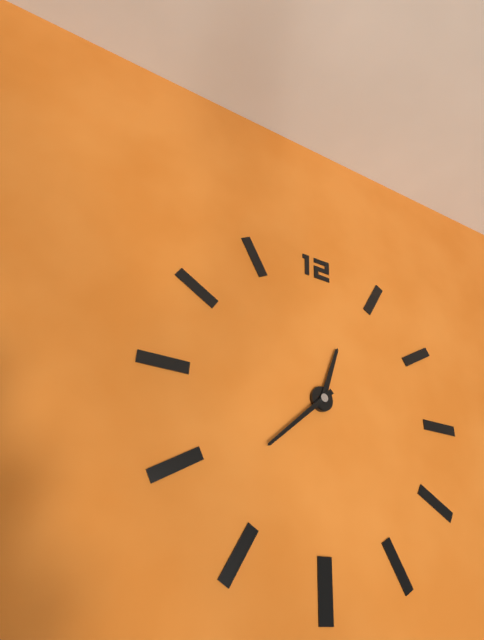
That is **12:38**
